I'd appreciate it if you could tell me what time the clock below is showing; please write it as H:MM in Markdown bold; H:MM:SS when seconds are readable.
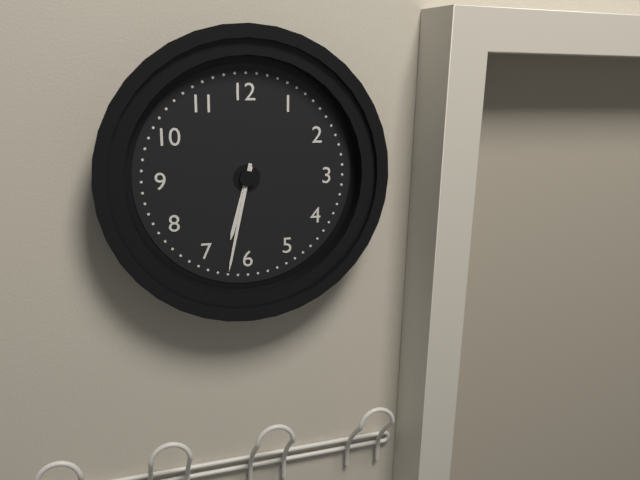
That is **6:32**
